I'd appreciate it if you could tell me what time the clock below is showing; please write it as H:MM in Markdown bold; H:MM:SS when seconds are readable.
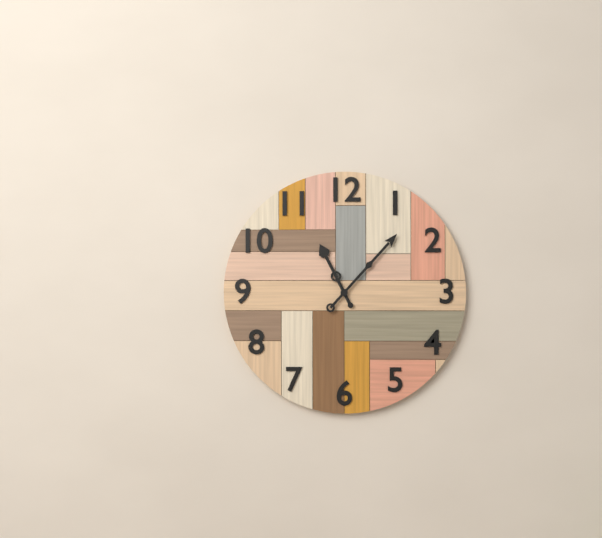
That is **11:07**
